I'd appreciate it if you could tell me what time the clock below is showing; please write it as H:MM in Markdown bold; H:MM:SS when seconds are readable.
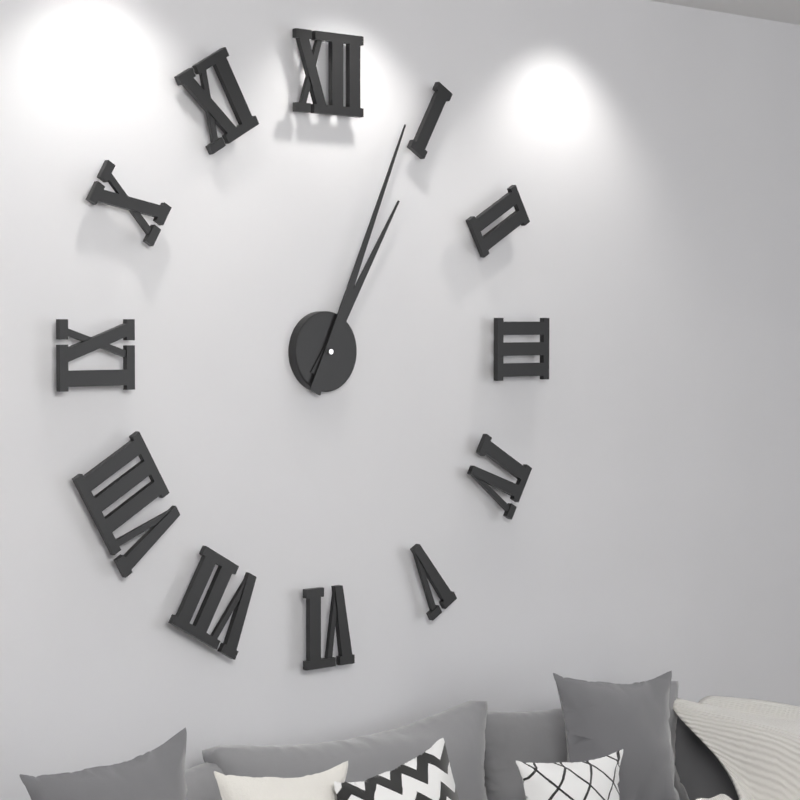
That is **1:04**
